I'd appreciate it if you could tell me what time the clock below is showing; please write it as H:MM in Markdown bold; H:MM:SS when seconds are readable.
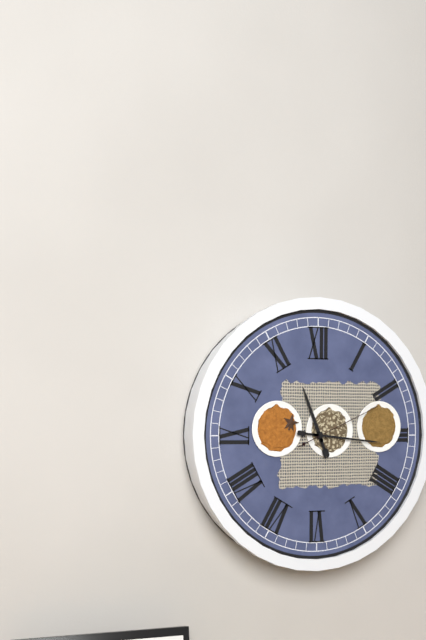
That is **11:16:11**
